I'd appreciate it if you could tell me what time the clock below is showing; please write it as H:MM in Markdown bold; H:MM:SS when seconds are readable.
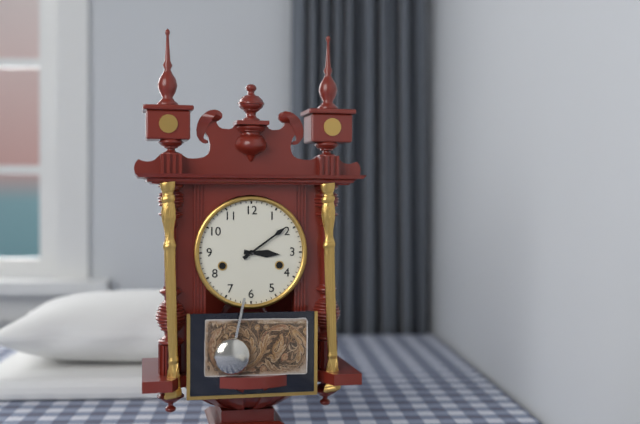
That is **3:09**
